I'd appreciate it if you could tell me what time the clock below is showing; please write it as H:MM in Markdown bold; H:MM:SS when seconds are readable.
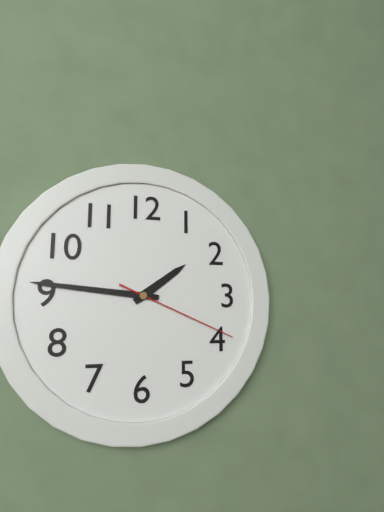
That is **1:46:19**
